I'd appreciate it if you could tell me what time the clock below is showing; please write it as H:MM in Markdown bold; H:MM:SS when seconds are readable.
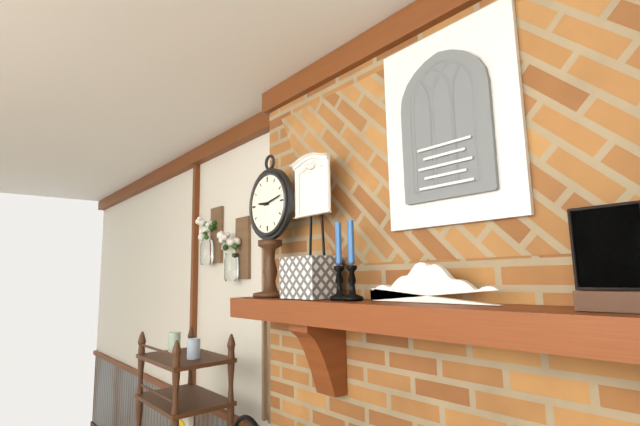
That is **9:13**
